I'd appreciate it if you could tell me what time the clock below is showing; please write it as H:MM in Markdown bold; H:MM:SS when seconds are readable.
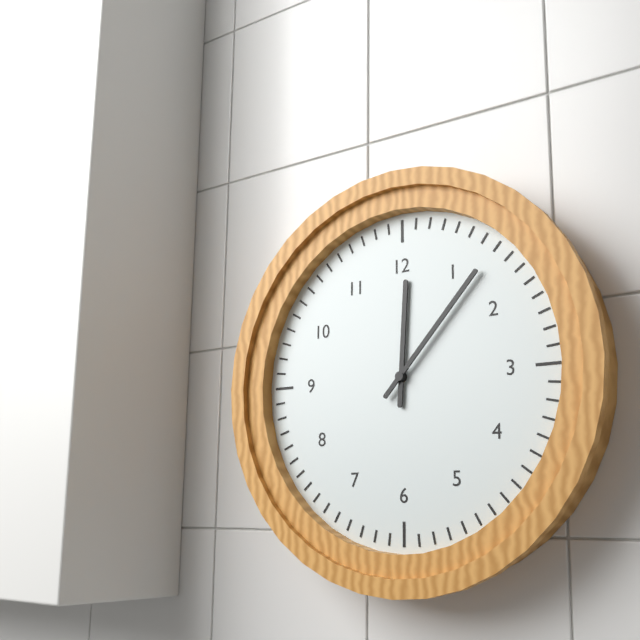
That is **12:07**
